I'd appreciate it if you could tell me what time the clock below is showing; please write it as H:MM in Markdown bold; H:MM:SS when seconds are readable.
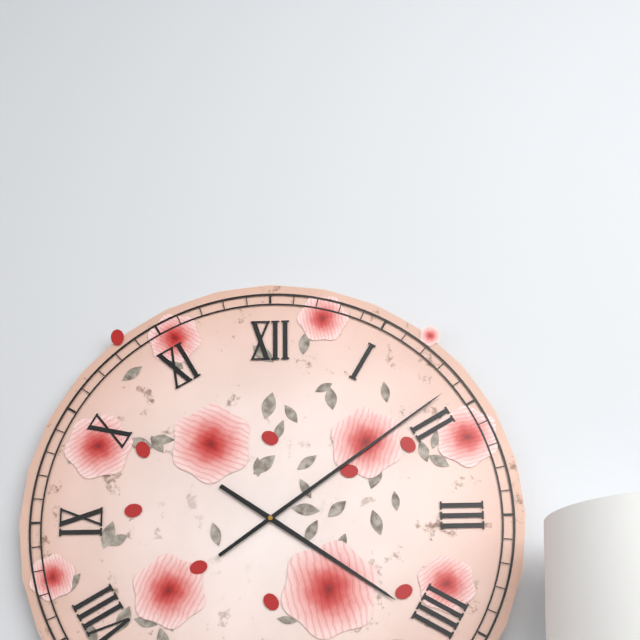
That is **4:09**
